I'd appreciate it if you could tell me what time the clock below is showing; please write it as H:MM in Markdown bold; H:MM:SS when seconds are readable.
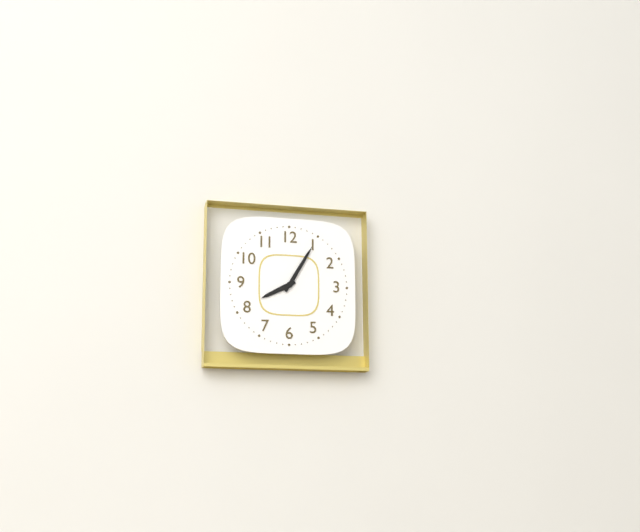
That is **8:05**
